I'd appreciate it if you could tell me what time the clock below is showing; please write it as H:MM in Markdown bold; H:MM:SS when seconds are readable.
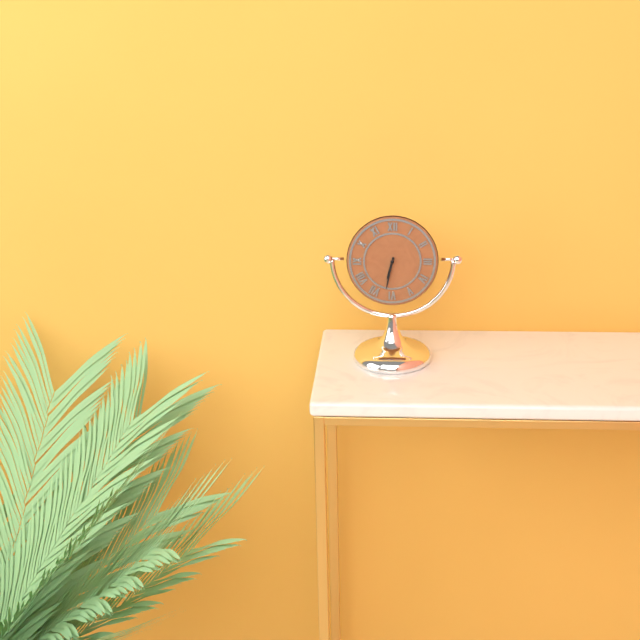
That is **6:32**
